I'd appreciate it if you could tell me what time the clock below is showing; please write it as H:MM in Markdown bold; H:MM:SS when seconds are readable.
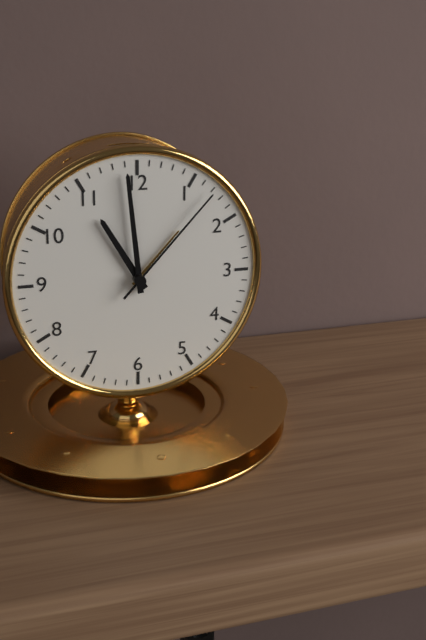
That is **10:59:07**
